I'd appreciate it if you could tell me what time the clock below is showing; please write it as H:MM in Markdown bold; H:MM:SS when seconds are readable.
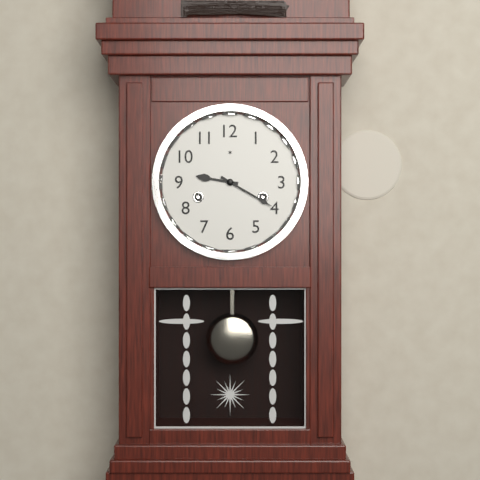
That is **9:20**
